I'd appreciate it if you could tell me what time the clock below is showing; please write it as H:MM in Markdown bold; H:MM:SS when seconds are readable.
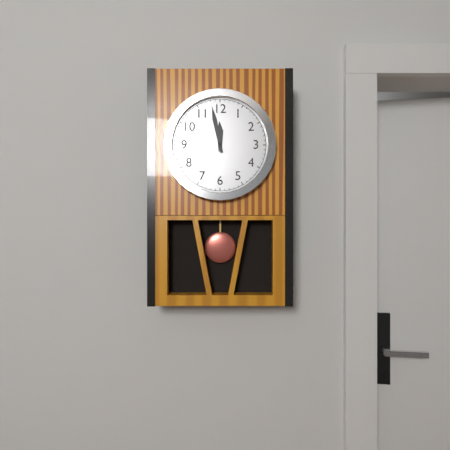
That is **11:58**
